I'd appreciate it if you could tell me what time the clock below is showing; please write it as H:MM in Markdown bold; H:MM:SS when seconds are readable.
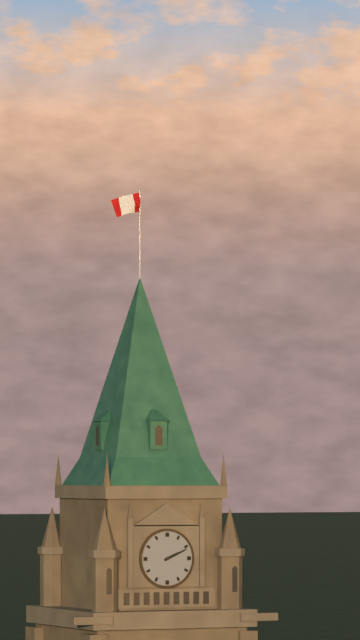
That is **2:11**
